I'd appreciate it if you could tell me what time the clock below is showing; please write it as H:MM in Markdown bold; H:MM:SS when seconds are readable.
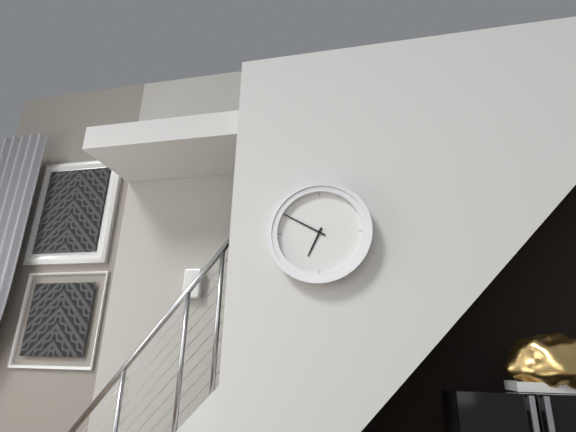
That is **6:50**
